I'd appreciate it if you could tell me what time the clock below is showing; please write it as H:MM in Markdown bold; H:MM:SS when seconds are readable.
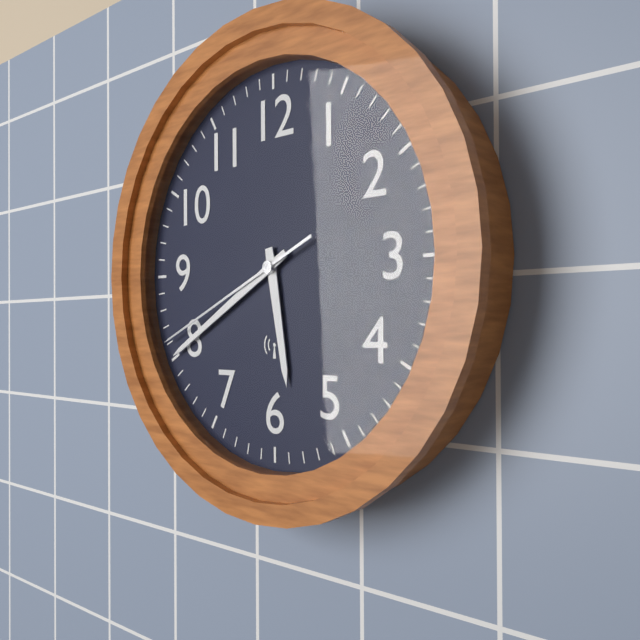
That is **5:40:41**
